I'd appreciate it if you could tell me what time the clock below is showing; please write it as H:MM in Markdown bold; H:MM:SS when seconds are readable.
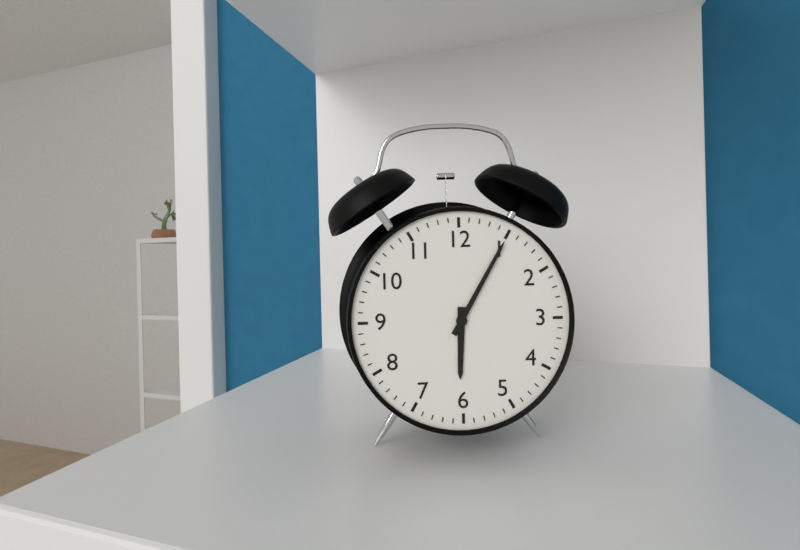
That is **6:05**
